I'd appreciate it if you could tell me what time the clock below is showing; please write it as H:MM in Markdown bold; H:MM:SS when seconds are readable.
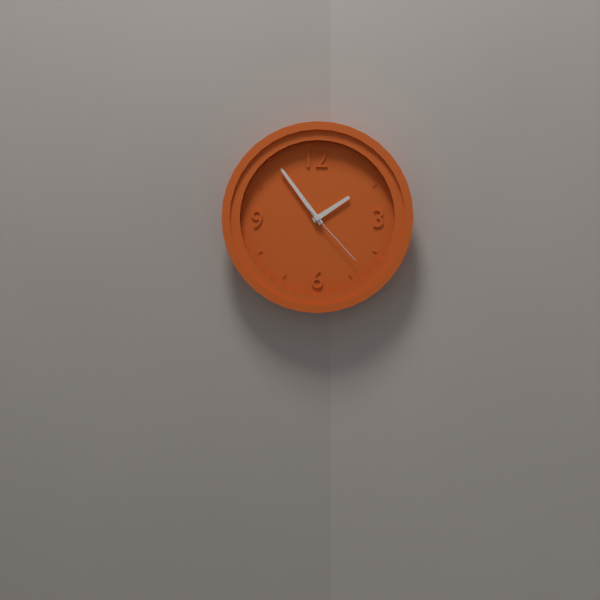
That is **1:54:23**
